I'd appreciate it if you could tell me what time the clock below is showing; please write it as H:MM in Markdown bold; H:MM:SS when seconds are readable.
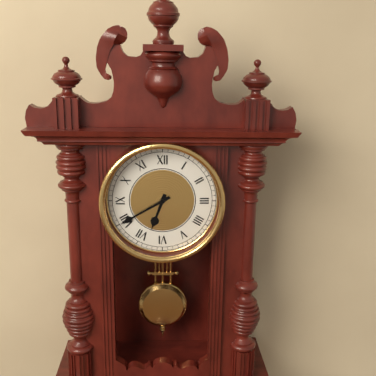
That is **6:40**
